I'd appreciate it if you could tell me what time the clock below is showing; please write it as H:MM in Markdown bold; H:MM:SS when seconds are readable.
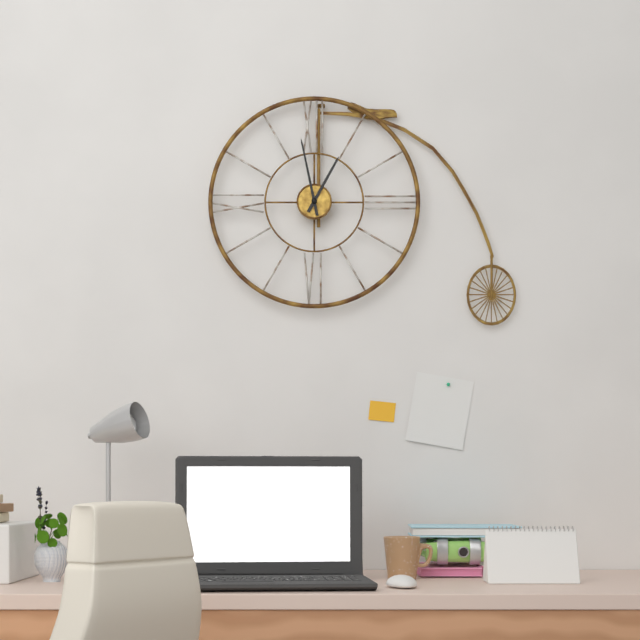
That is **12:58**
